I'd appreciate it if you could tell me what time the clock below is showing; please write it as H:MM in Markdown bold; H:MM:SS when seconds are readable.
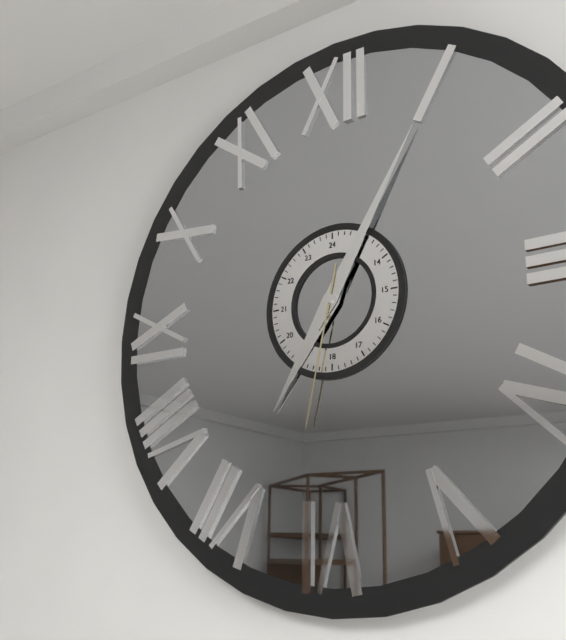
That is **7:05:32**
